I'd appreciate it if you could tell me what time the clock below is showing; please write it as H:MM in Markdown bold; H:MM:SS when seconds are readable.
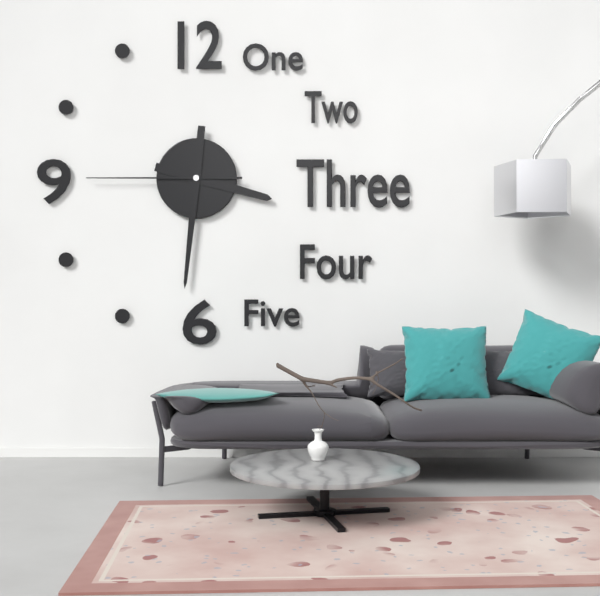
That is **3:31:45**
